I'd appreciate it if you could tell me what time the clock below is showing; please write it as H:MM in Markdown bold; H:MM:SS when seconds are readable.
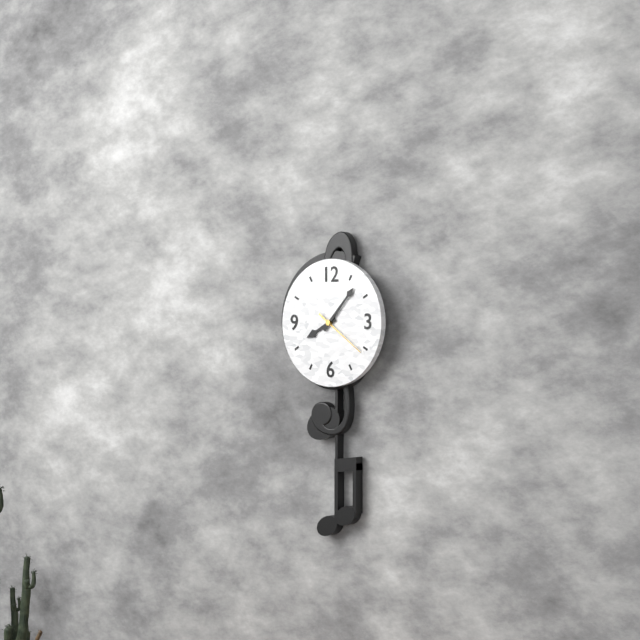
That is **8:07:21**
